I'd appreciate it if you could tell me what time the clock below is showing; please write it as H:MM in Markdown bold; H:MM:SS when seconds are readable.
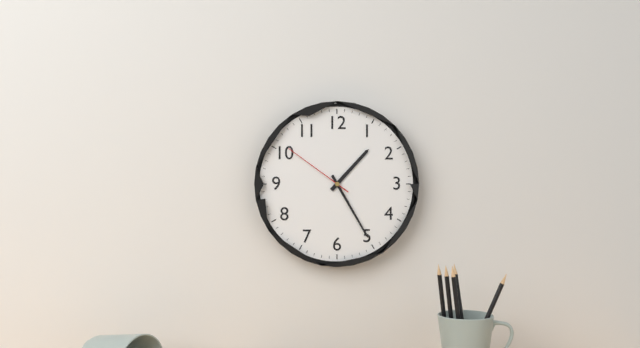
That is **1:25:51**
